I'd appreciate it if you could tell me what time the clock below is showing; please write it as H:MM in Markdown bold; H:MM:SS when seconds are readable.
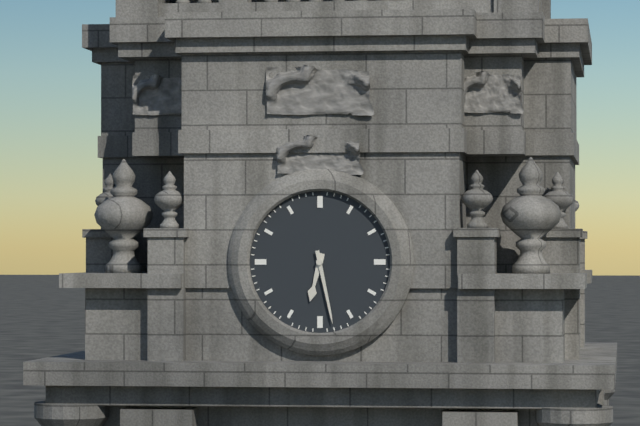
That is **6:28**
